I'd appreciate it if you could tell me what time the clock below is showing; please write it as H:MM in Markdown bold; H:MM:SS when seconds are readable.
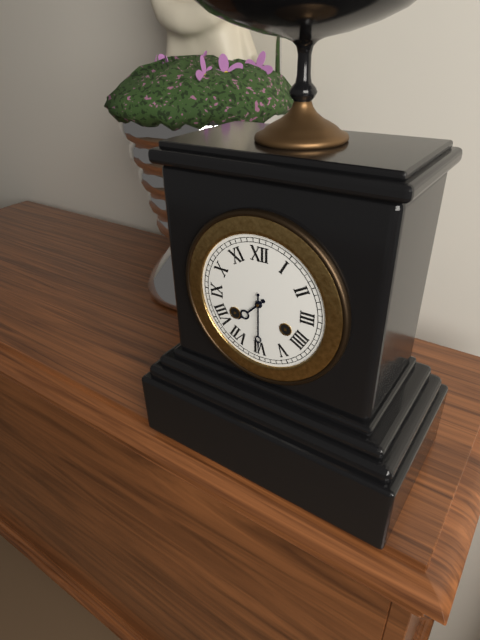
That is **7:30**
